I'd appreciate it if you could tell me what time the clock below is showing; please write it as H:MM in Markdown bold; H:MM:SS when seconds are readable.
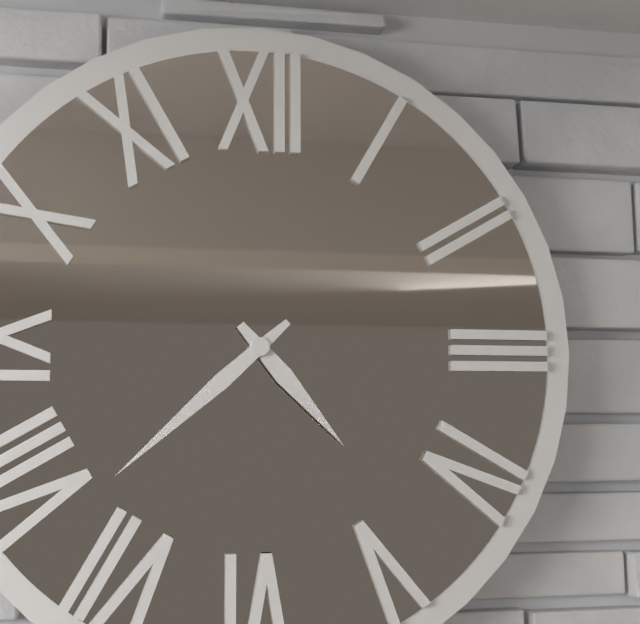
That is **4:38**
